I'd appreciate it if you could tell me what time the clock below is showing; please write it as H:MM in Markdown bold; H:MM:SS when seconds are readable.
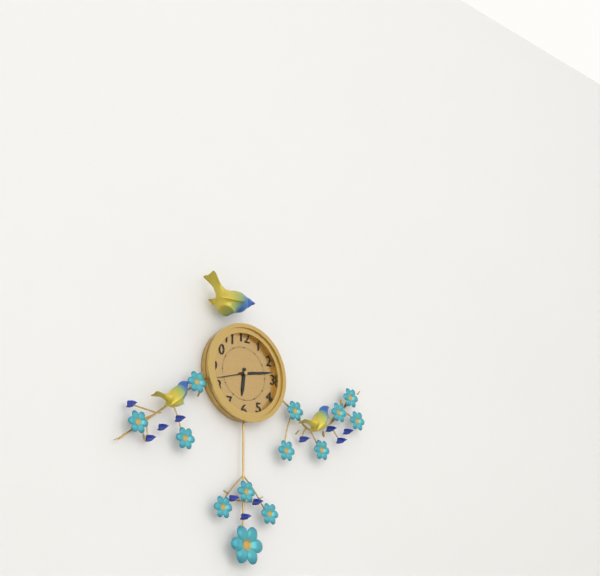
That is **6:13**
